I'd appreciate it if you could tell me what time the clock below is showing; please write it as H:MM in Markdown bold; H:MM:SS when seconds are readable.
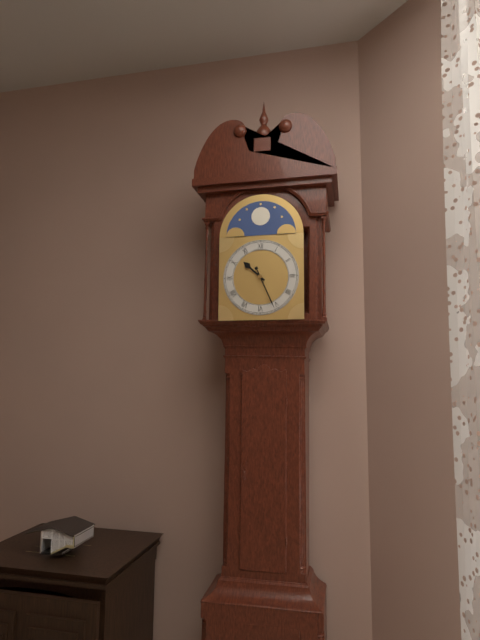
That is **10:26**
